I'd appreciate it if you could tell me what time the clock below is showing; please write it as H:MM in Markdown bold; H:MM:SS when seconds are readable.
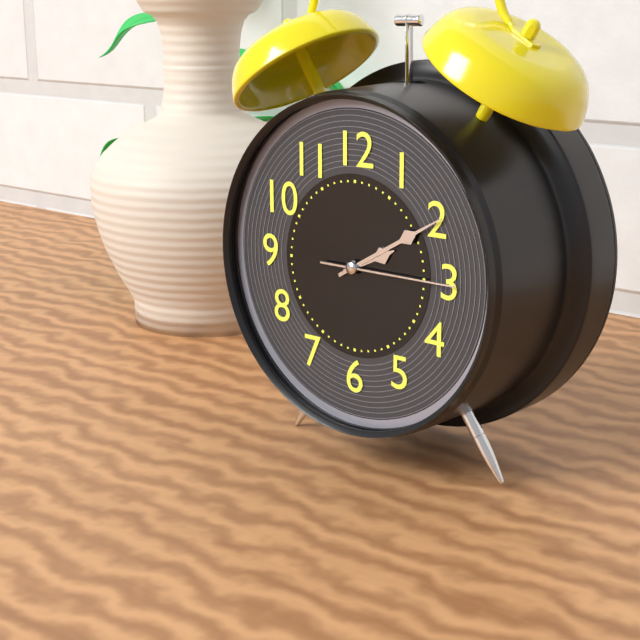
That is **2:10:15**
